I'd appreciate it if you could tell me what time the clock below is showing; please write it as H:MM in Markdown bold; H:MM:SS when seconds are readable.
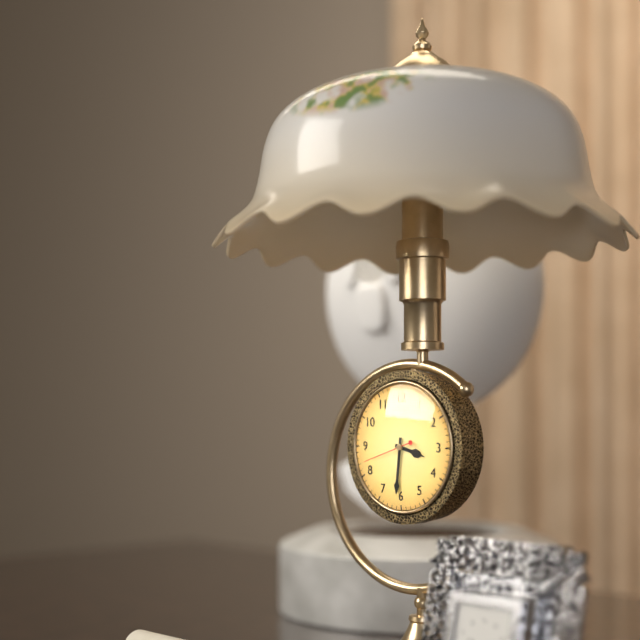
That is **3:31**
